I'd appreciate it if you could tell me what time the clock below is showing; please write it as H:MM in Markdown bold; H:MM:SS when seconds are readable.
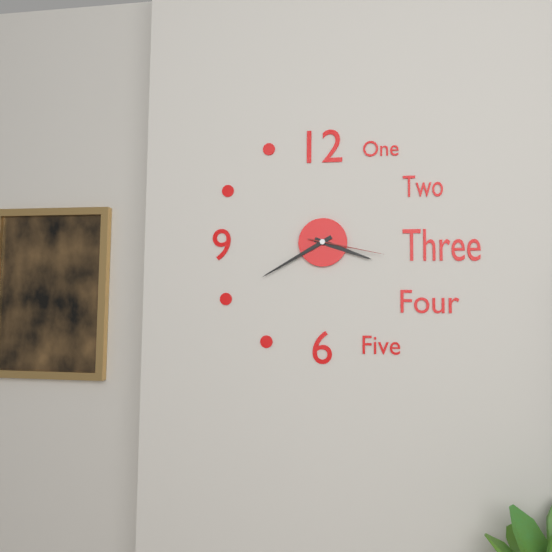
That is **3:40:17**
